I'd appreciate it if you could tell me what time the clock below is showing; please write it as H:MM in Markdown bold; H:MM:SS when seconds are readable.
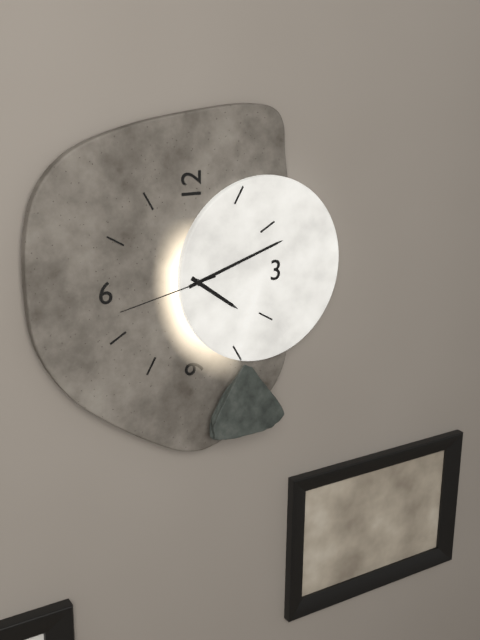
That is **4:12:43**
